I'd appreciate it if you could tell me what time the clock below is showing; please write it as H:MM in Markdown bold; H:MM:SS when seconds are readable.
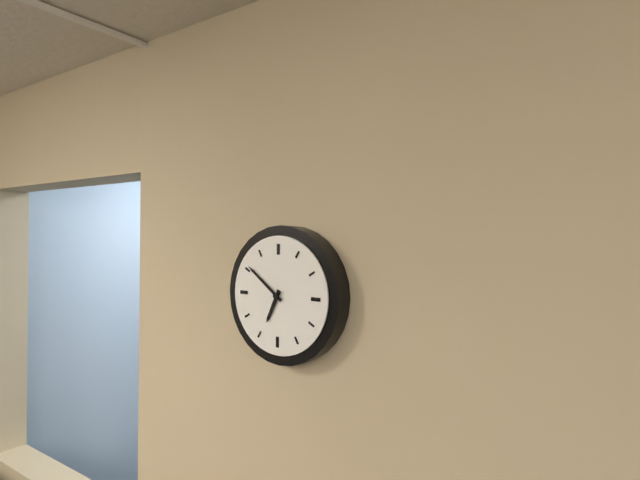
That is **6:51**
